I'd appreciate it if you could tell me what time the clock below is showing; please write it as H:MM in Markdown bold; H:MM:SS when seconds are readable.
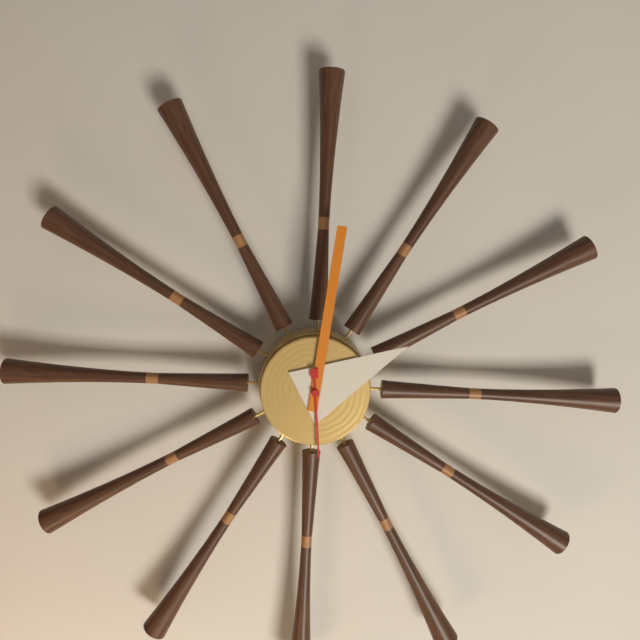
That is **2:01:29**
